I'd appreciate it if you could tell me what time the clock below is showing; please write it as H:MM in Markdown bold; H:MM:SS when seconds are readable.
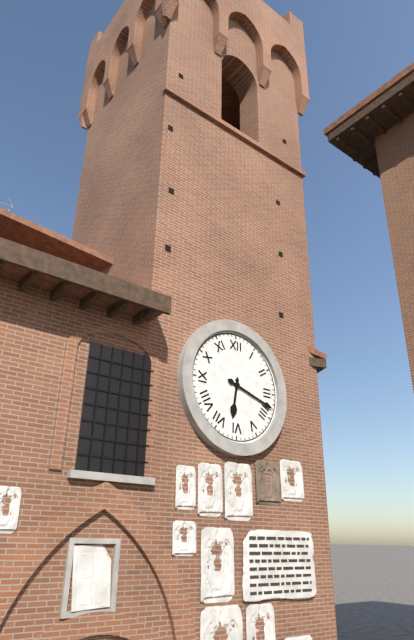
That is **6:18**
